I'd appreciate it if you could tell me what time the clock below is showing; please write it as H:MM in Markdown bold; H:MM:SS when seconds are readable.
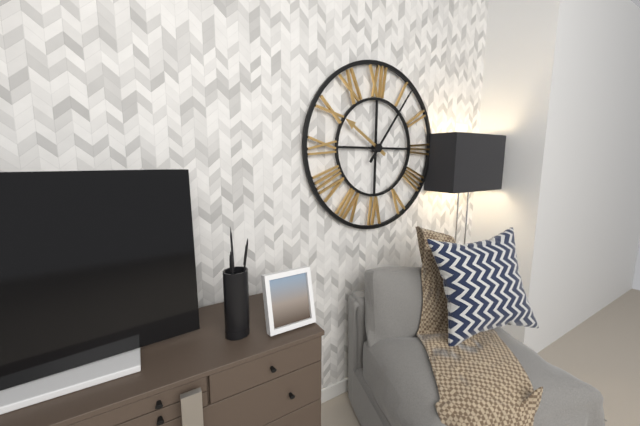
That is **10:06**
